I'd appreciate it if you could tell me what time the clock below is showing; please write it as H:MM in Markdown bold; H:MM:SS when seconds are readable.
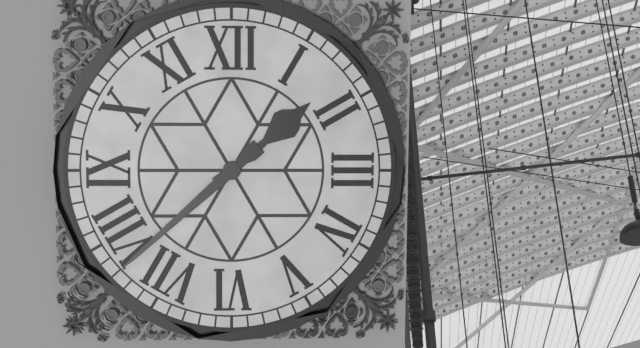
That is **1:38**
